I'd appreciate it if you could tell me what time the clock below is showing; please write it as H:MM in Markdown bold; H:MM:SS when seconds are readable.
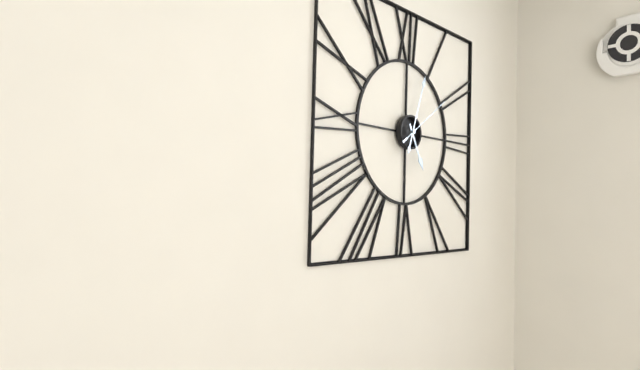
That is **5:03:09**
